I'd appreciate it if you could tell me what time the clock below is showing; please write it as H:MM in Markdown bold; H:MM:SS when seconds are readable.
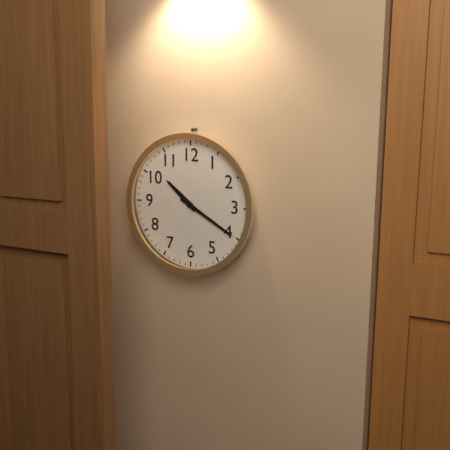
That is **10:20**
